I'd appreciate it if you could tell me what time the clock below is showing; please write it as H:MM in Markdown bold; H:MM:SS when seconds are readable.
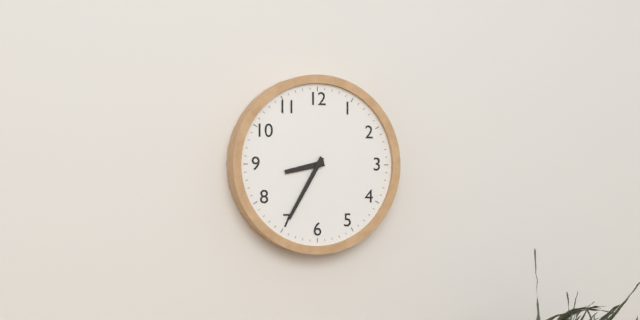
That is **8:35**
